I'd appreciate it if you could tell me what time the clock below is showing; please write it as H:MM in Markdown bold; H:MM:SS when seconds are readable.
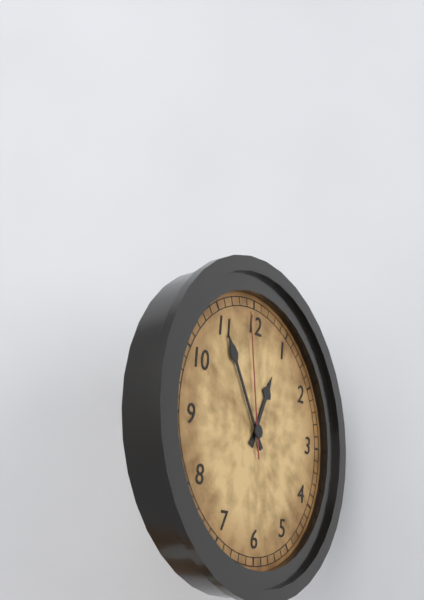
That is **12:55:59**
